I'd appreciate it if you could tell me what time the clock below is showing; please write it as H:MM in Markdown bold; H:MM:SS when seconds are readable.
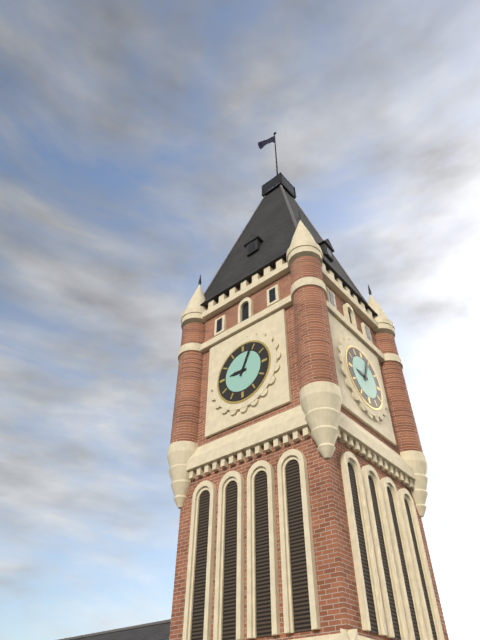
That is **9:04**
